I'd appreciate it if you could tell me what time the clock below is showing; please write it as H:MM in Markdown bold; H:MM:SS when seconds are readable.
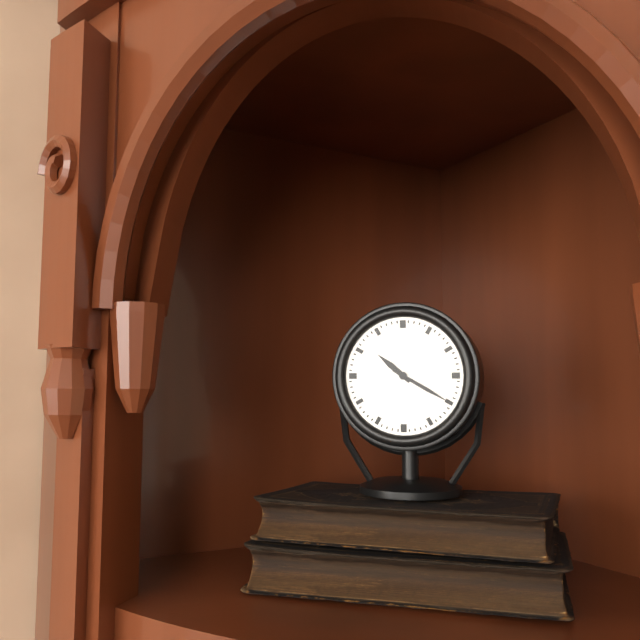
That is **10:20**
